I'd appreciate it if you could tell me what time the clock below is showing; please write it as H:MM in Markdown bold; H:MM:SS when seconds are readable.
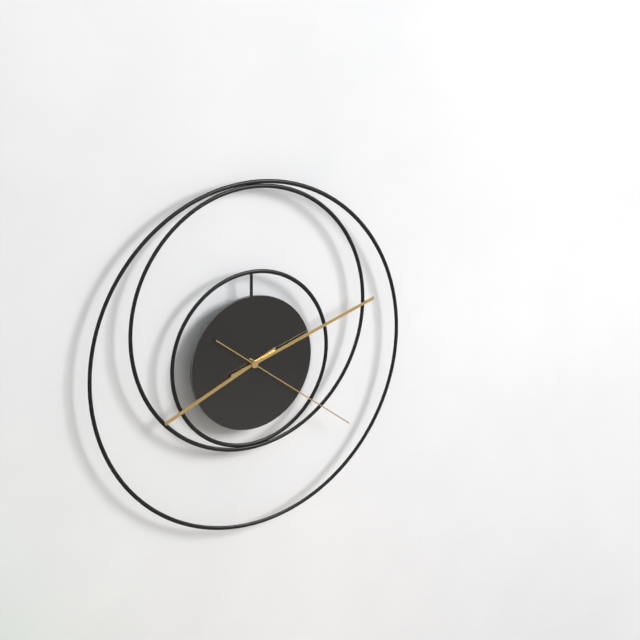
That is **8:12:21**
